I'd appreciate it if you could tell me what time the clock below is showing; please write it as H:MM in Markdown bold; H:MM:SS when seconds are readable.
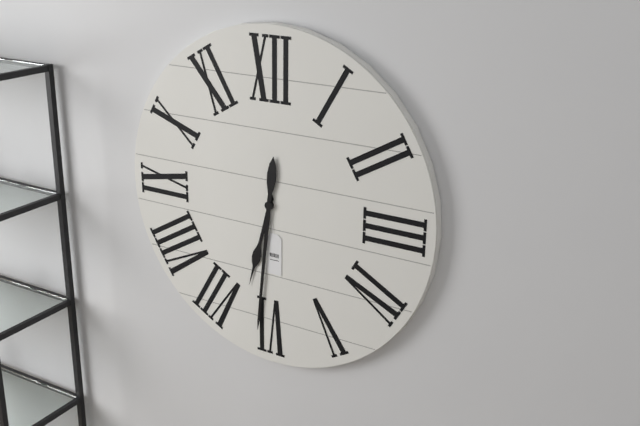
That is **6:31**
